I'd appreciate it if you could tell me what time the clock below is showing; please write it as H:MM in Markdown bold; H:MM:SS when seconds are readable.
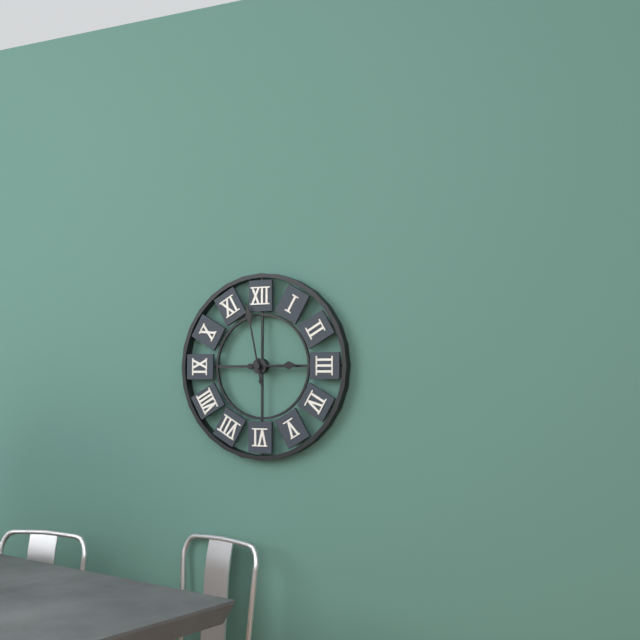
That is **2:58**
